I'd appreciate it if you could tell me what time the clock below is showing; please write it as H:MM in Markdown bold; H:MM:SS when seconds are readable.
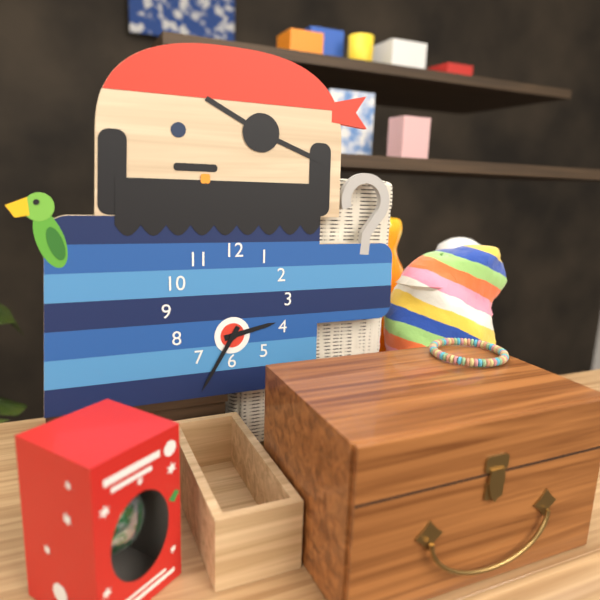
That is **2:35**
